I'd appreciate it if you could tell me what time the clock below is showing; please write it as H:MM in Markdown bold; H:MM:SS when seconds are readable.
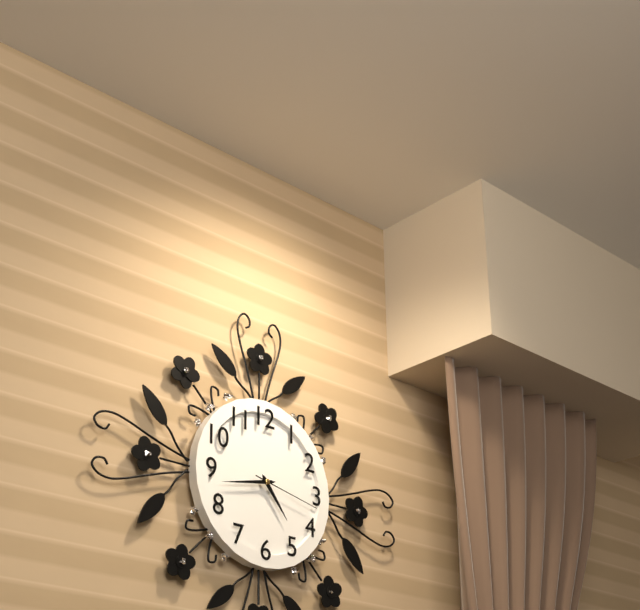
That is **4:43:17**
